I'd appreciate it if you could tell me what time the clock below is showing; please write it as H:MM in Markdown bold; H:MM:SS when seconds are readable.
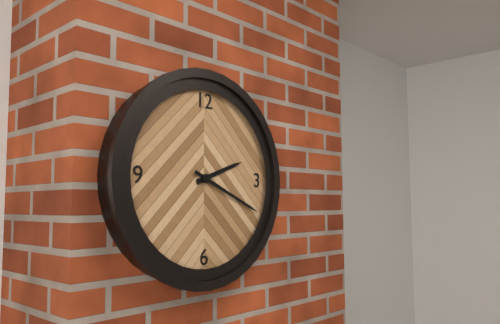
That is **2:19**
